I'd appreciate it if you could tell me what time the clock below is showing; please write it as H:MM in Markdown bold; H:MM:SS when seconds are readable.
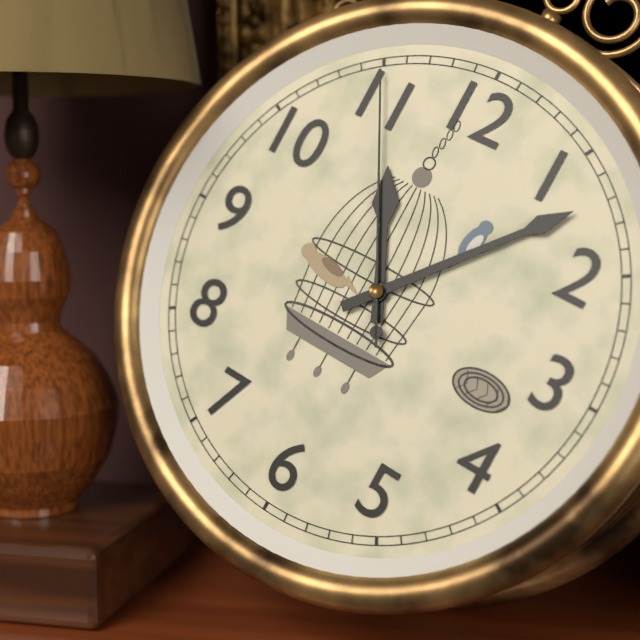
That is **11:07:55**
